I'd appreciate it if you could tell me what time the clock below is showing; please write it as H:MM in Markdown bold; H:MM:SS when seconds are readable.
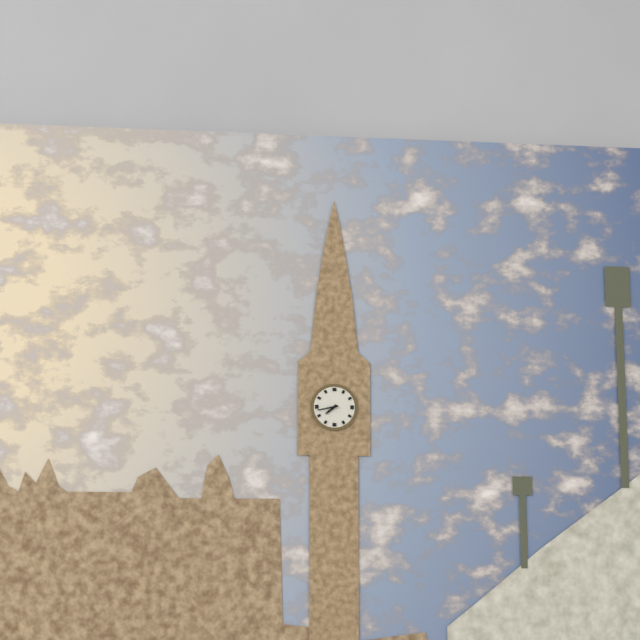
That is **7:43**
